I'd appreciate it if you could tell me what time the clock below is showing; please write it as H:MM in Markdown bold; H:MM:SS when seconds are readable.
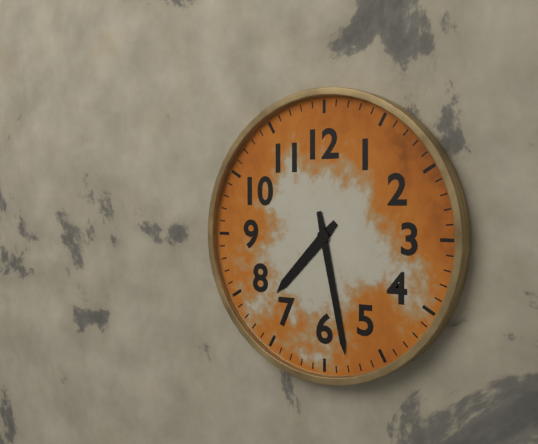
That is **7:28**
